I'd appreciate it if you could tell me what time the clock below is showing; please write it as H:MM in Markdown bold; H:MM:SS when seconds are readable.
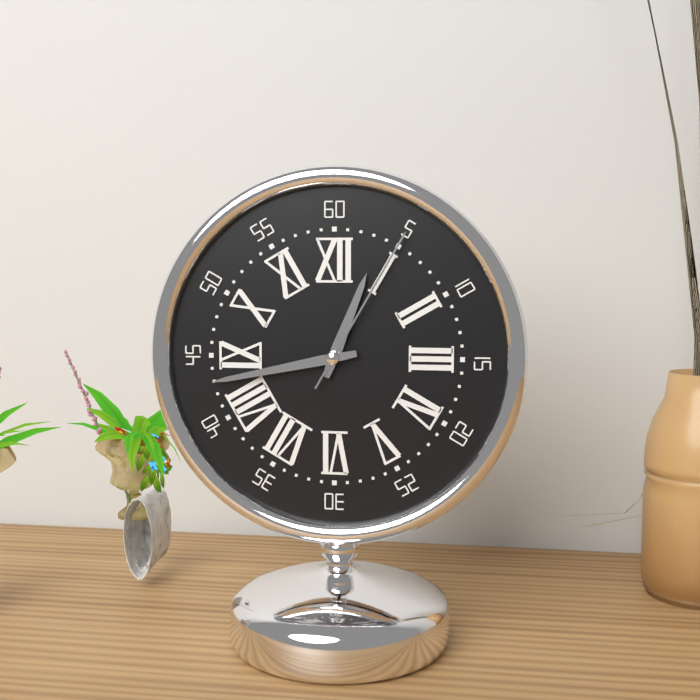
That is **12:43:05**
